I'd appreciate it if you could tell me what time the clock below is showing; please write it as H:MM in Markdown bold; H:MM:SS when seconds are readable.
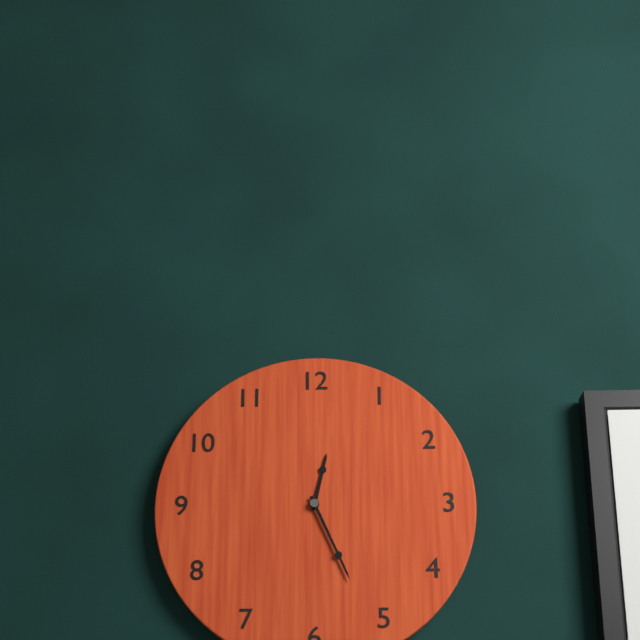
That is **12:26**
